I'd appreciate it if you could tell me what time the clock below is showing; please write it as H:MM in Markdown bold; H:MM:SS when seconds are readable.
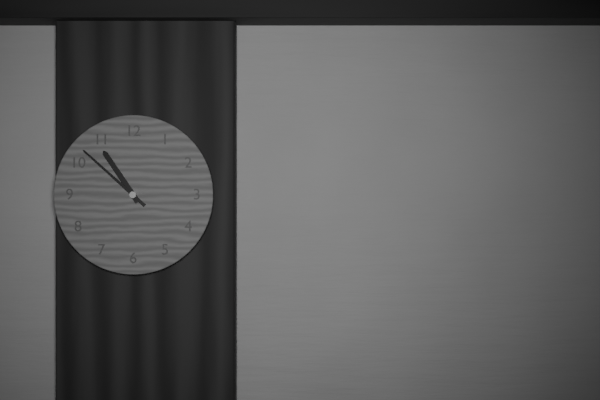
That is **10:52**
